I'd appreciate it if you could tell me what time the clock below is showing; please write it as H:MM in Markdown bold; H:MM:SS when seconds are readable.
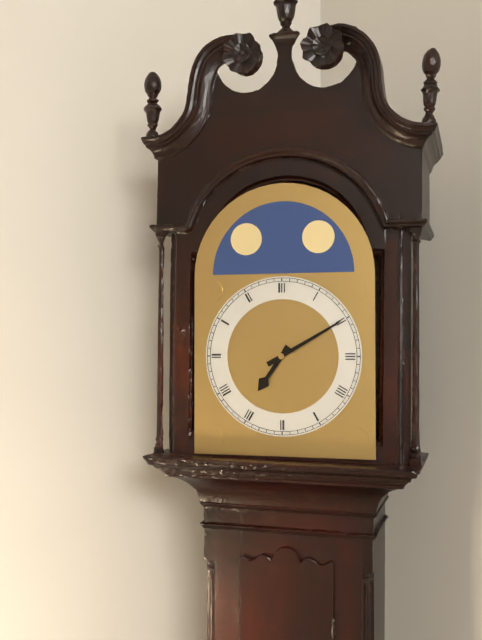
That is **7:10**
